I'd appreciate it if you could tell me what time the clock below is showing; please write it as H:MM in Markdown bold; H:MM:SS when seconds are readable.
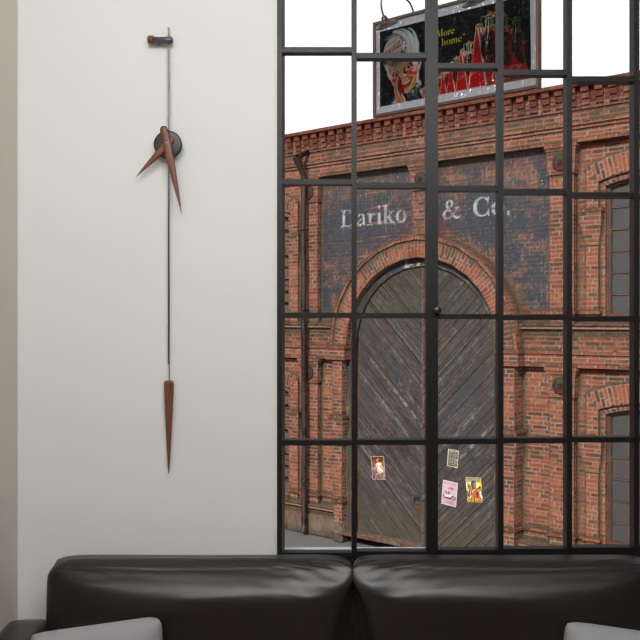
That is **7:28**
